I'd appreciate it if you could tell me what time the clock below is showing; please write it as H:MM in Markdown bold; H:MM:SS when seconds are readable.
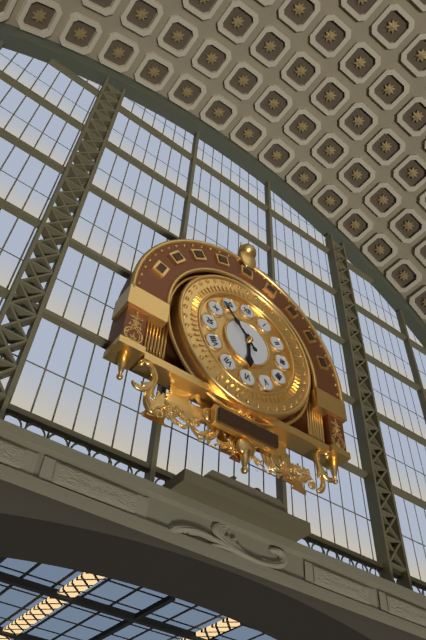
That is **5:53**
